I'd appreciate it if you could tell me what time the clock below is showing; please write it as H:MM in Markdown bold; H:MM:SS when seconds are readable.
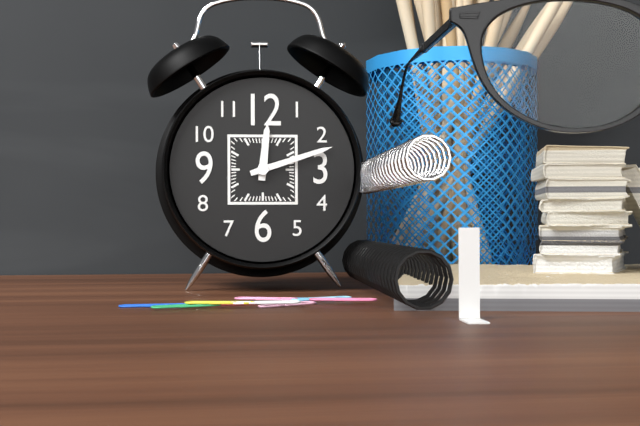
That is **12:12**
